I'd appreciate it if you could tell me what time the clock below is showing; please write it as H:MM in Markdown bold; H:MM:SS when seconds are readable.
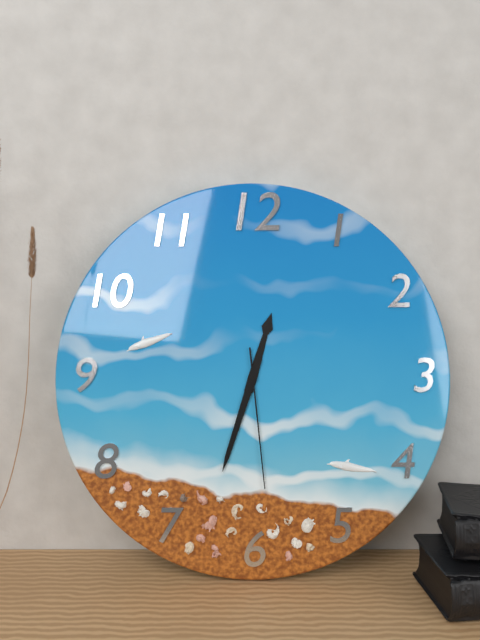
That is **12:33:29**
